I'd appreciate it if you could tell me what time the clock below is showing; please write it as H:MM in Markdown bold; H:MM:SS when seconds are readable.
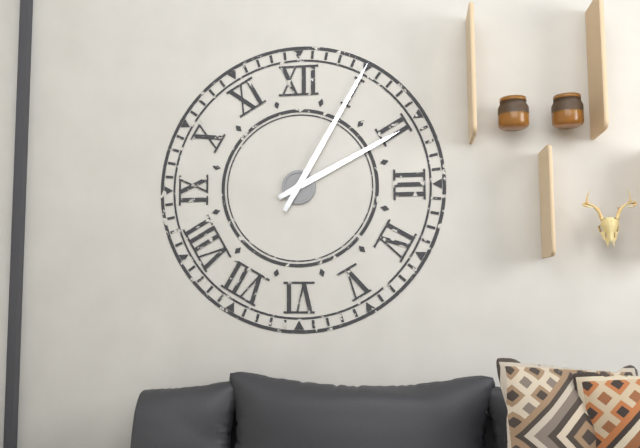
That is **2:05**
